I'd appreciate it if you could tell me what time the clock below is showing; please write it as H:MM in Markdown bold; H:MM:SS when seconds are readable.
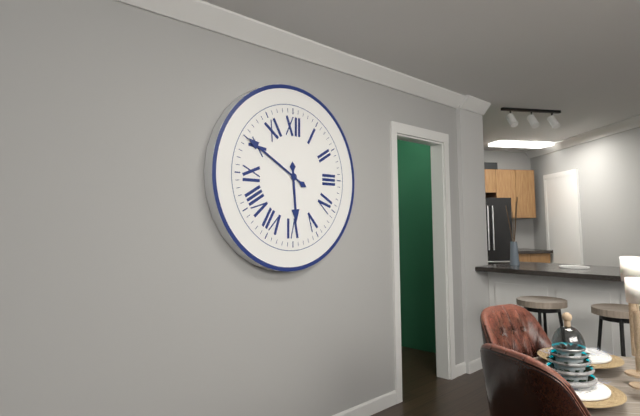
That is **5:50**
